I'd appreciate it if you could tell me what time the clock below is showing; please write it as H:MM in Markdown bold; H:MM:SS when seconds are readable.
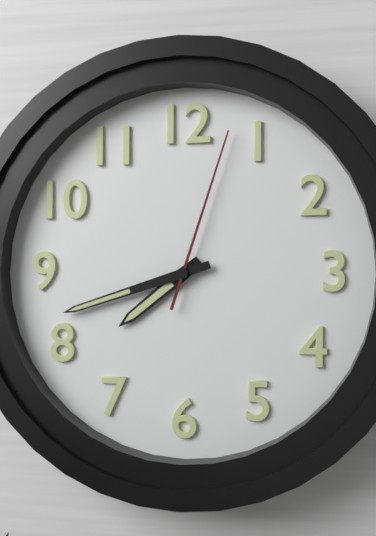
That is **7:42:03**
